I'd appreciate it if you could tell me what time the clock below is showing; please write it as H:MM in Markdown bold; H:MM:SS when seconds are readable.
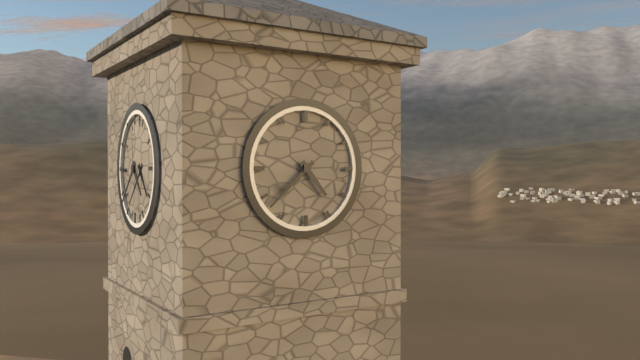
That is **4:38**
